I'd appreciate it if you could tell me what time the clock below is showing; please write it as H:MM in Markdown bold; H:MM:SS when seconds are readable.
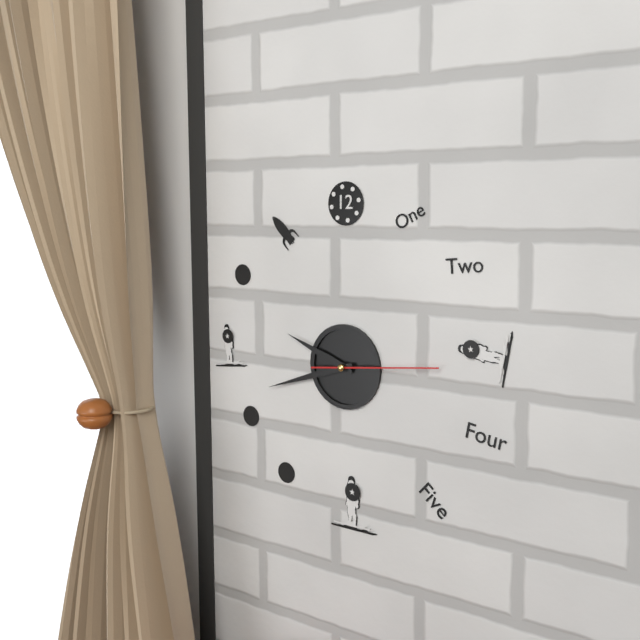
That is **9:42:14**
